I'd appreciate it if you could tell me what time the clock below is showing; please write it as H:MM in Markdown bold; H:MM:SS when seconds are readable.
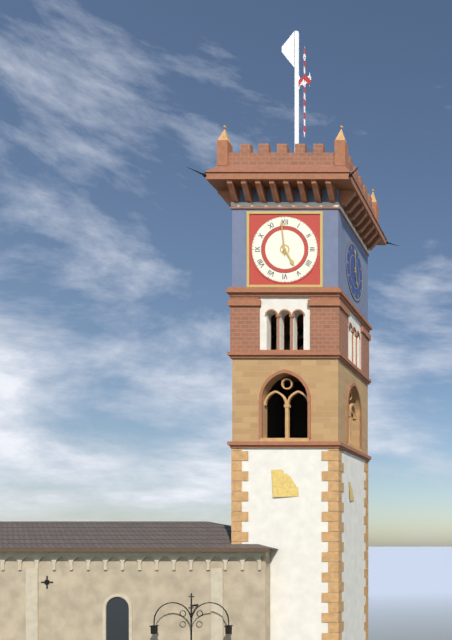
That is **4:59**
